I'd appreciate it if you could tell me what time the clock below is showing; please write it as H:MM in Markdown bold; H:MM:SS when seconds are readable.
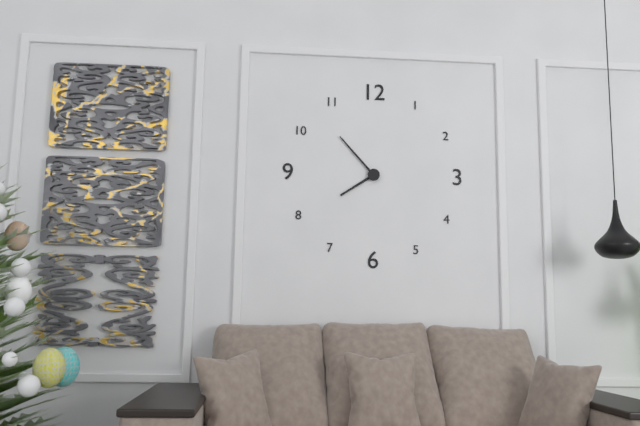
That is **7:53**
